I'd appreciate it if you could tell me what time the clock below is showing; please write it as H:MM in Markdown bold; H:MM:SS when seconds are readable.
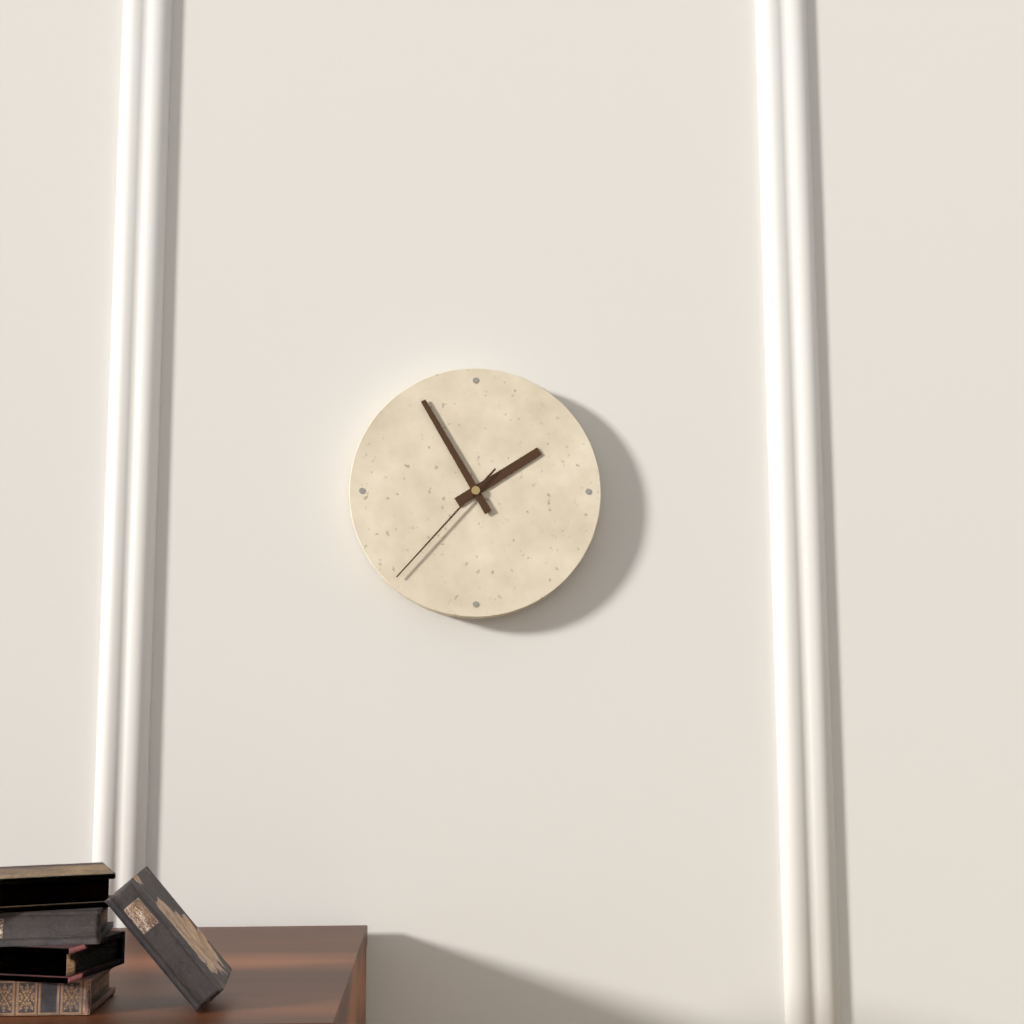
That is **1:55:37**
